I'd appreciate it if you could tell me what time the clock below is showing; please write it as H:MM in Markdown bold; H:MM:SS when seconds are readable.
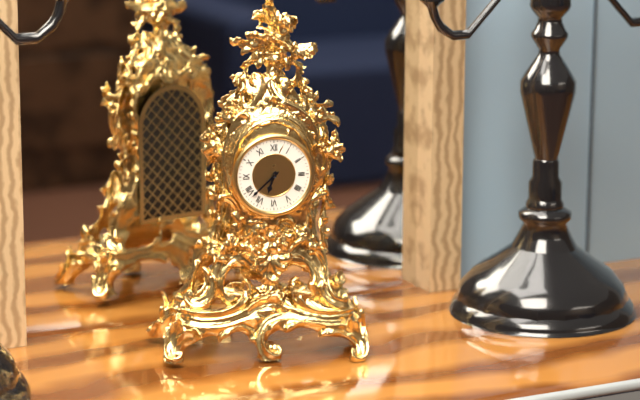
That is **6:38**
